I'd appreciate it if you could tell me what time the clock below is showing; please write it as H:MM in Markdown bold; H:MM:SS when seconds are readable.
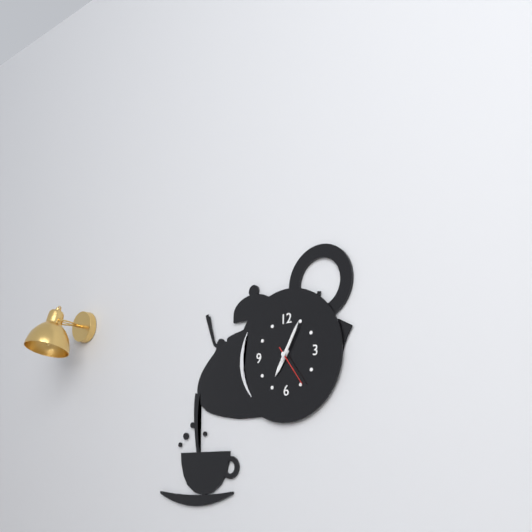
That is **7:05**
